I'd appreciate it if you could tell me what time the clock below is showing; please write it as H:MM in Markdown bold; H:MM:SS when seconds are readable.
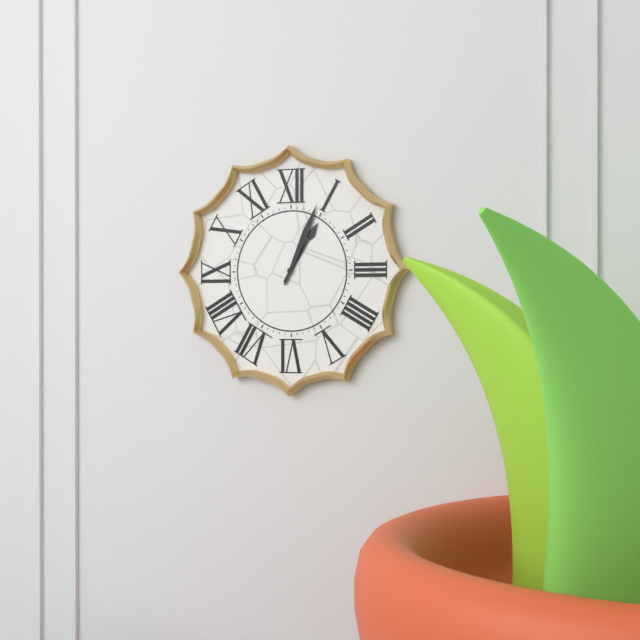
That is **1:04**
